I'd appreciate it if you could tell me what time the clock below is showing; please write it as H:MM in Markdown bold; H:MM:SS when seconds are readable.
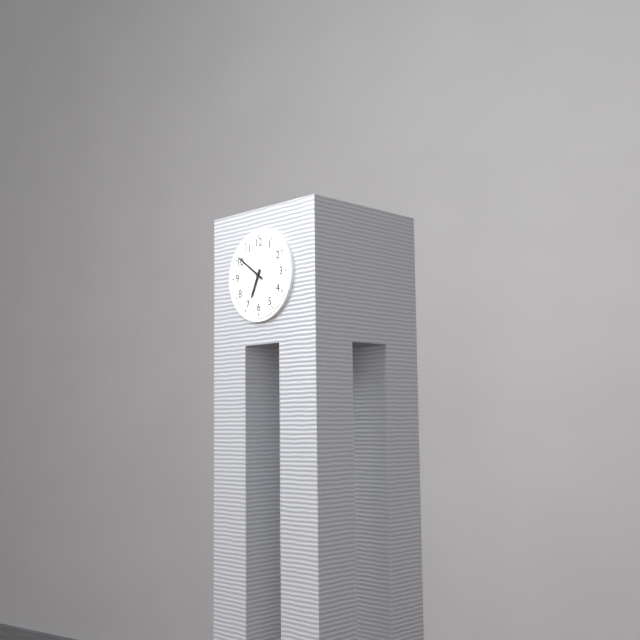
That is **6:51**
